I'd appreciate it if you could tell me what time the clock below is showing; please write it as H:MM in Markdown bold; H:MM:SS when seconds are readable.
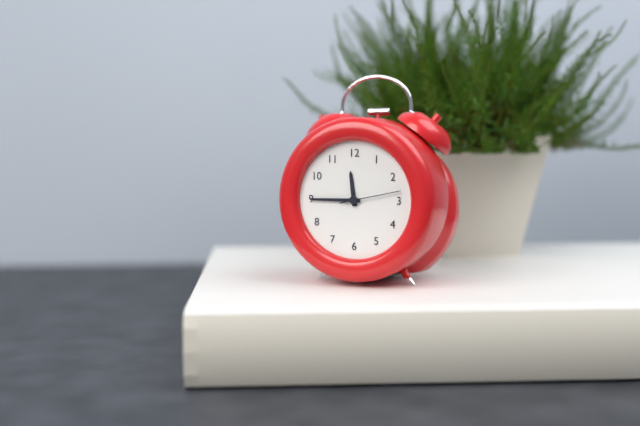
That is **11:45:13**
